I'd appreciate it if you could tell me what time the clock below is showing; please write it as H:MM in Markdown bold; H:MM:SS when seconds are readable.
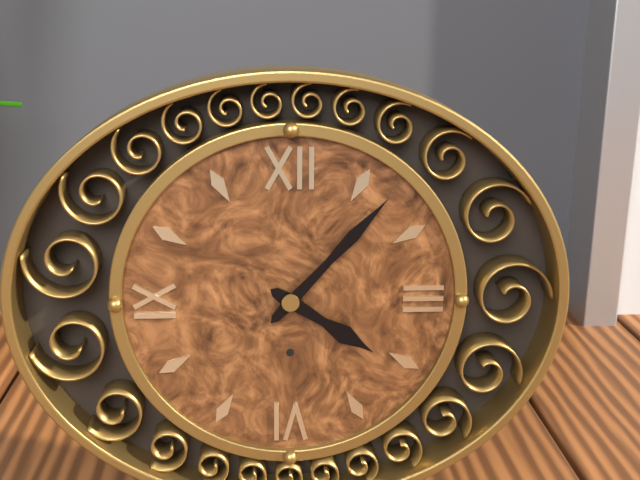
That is **4:07**
